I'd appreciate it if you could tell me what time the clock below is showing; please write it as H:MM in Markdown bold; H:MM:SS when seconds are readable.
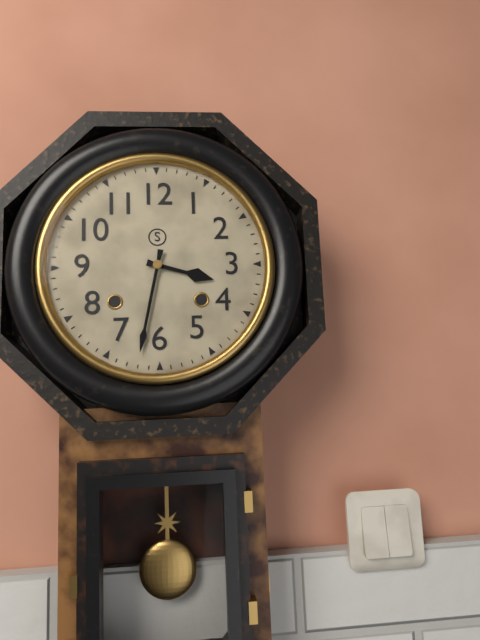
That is **3:32**
